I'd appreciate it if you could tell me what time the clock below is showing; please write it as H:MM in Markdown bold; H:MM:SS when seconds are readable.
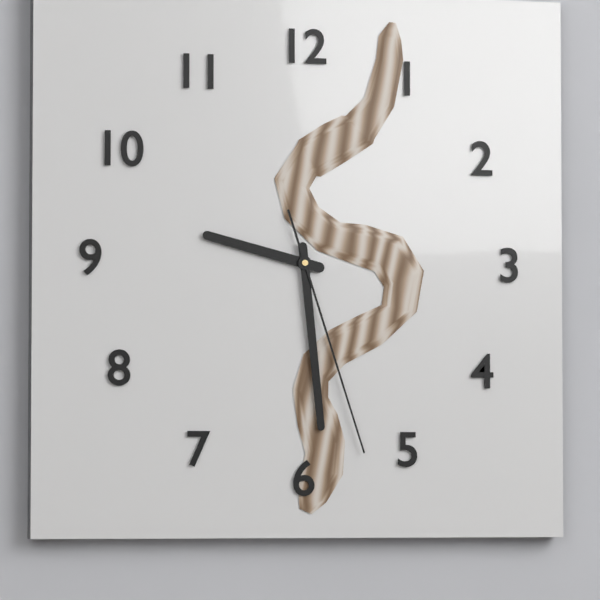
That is **9:29:27**
